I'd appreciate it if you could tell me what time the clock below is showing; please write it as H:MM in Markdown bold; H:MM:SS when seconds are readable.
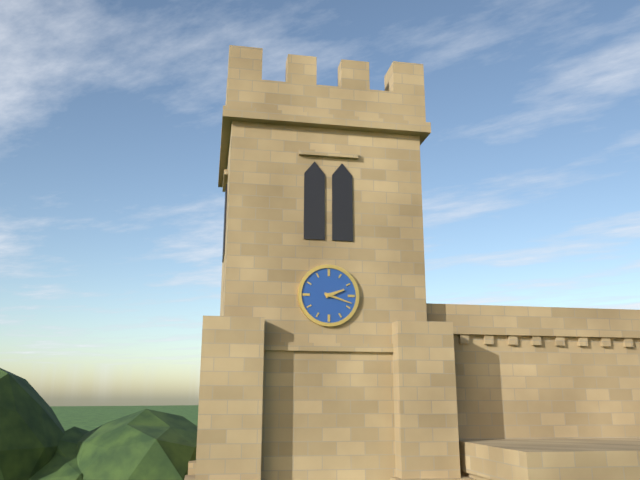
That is **2:18**
